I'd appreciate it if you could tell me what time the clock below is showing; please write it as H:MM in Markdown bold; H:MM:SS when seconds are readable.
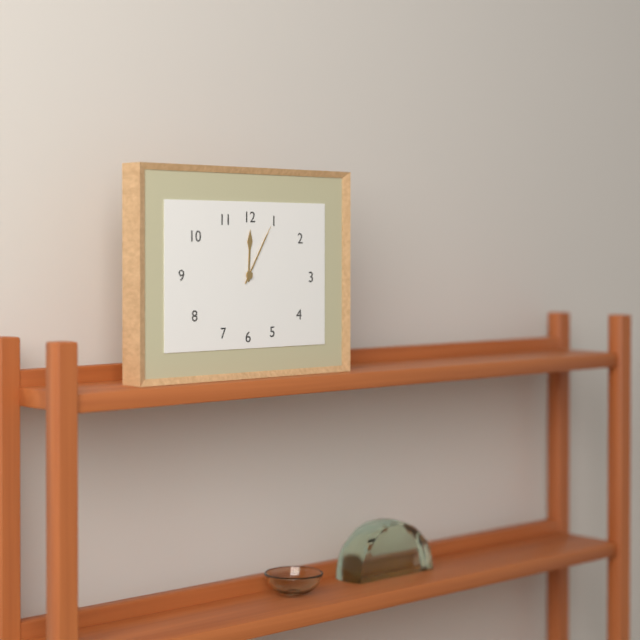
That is **12:05**
